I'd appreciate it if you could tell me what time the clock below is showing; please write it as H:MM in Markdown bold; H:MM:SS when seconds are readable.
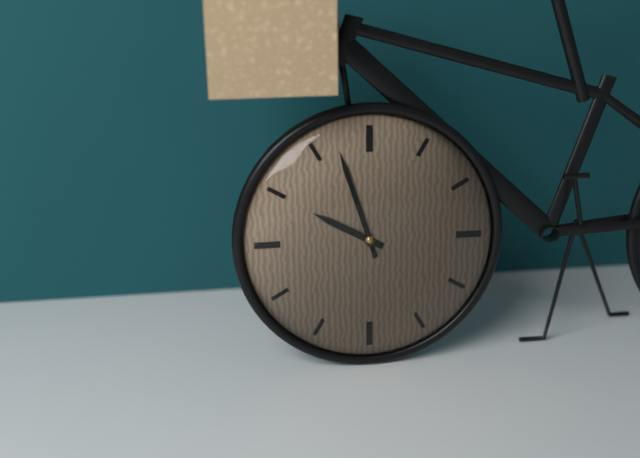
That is **9:57**
